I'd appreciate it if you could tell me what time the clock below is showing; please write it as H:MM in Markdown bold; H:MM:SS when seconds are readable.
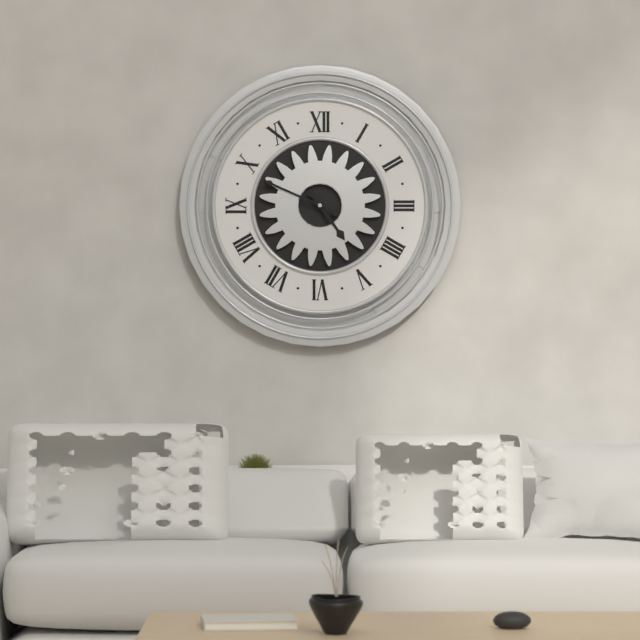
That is **4:49**
